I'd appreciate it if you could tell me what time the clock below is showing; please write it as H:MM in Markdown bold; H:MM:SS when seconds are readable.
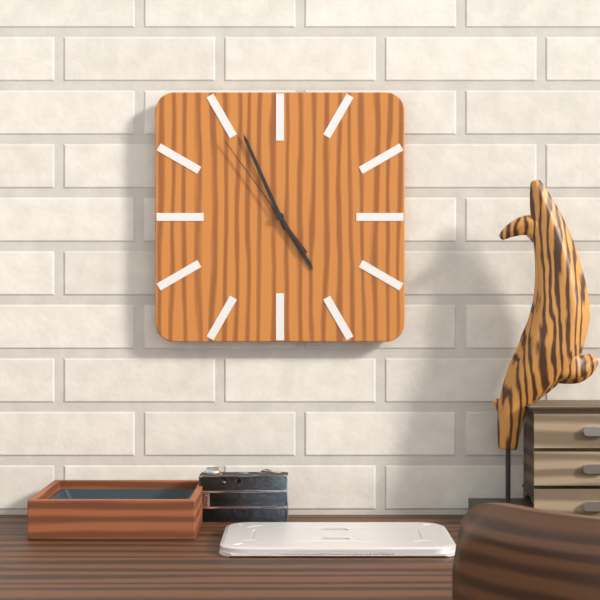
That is **4:56:54**
